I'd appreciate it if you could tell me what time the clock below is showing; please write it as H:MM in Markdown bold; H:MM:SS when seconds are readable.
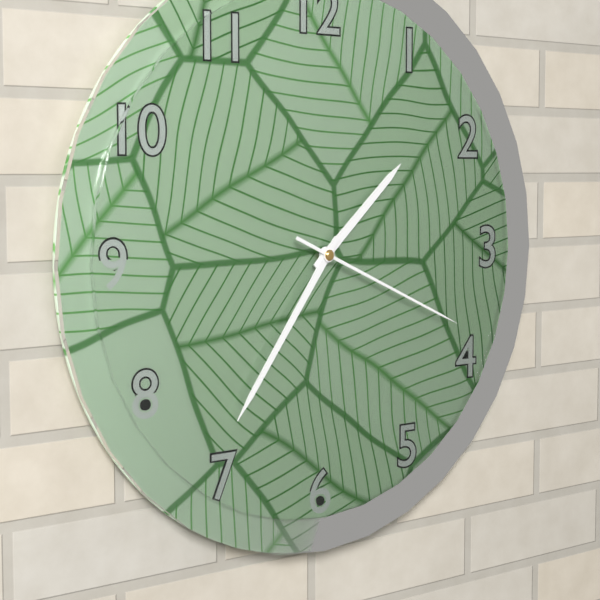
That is **1:36:19**
